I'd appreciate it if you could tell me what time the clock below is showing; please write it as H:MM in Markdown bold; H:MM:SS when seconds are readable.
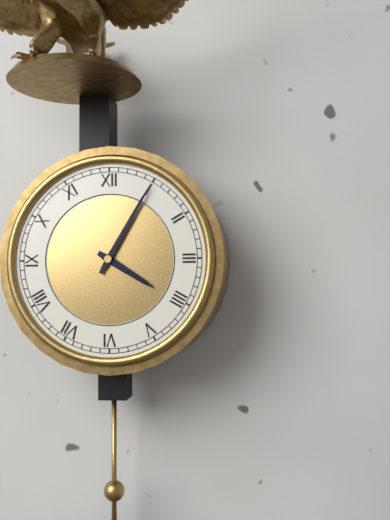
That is **4:05**
